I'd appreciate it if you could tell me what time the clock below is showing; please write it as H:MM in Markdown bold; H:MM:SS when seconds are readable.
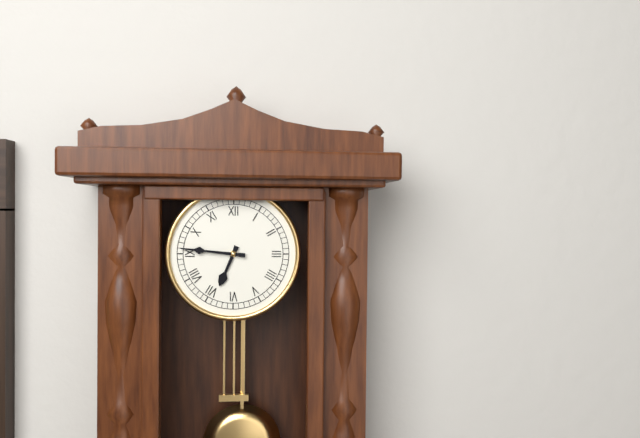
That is **6:46**
